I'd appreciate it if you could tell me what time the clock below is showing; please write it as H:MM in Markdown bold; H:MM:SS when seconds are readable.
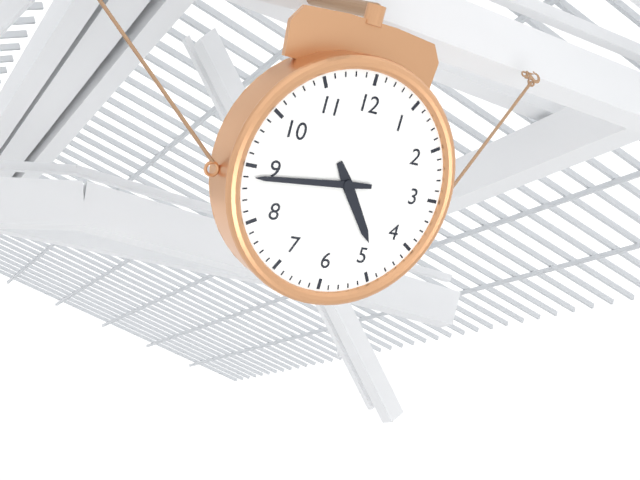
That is **4:44**
